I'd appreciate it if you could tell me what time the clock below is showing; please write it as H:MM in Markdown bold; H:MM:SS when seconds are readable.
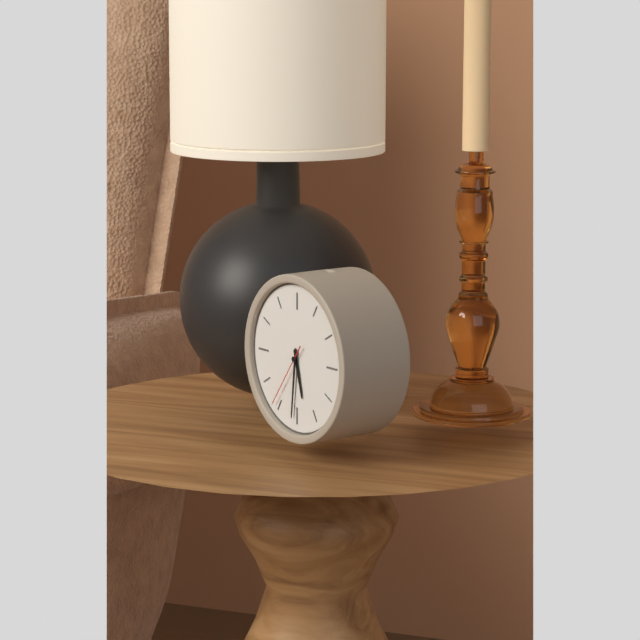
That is **5:31:36**
